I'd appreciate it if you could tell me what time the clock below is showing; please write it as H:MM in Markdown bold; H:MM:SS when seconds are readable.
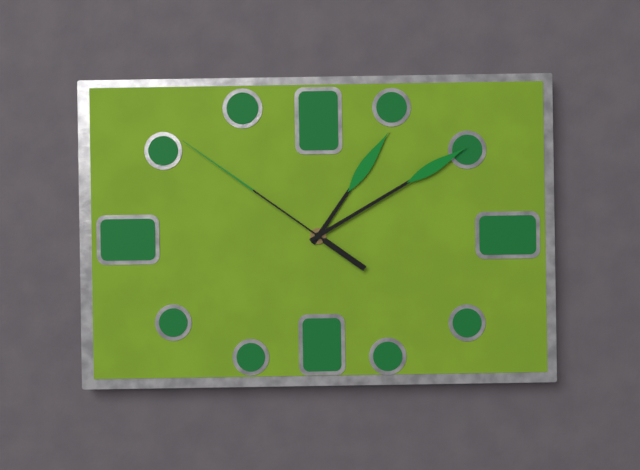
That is **1:10:51**
